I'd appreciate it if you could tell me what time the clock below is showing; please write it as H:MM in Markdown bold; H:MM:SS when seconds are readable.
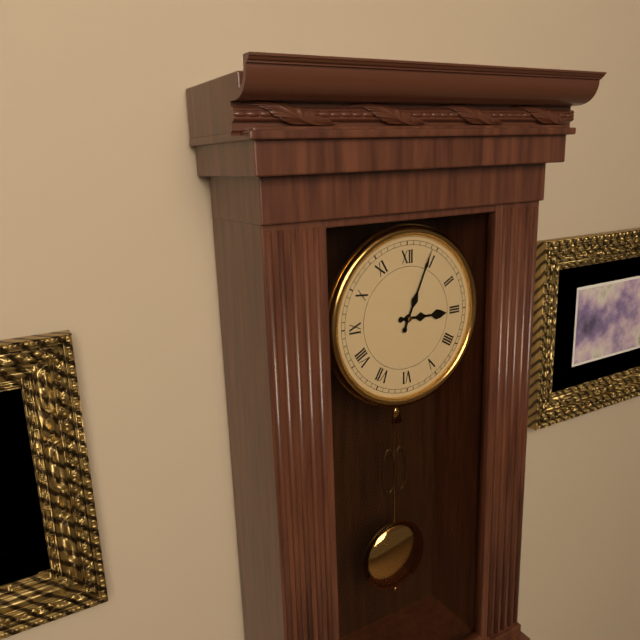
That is **3:04**
